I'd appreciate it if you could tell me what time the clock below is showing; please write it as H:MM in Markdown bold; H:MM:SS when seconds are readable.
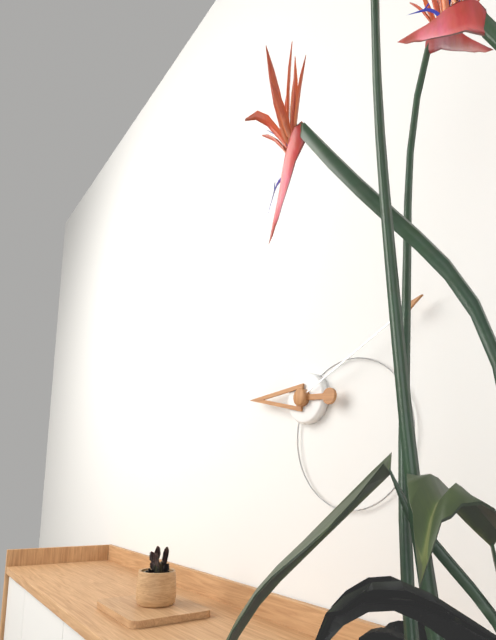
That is **9:11**
